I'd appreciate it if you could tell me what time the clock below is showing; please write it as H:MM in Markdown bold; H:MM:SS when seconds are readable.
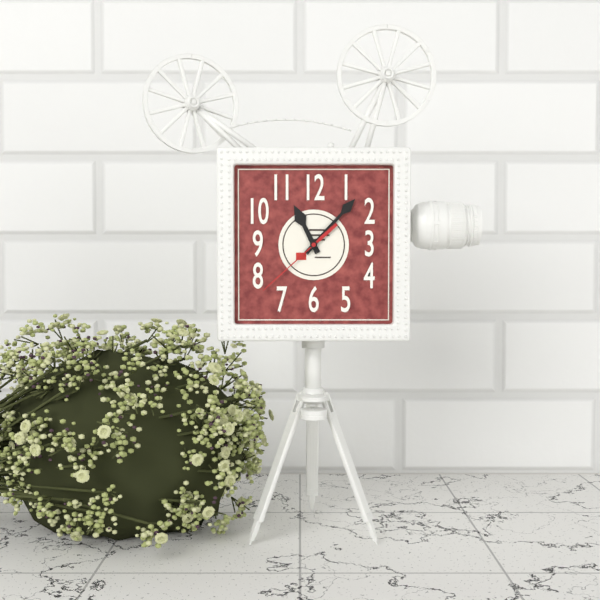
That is **11:07:38**
